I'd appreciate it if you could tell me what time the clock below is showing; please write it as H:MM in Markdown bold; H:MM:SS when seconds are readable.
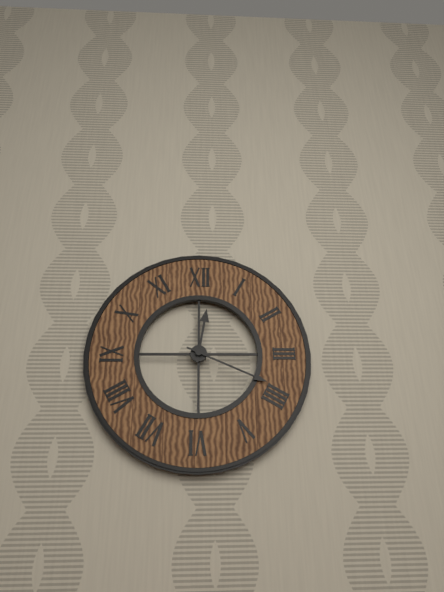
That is **12:19**
